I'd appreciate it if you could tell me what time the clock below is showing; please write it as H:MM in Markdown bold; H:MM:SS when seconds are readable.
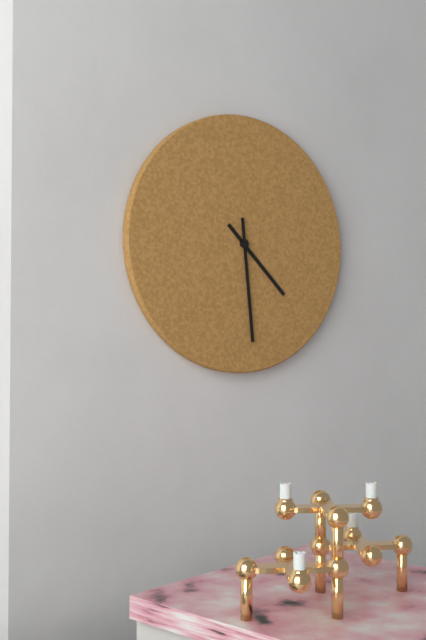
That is **4:29**
